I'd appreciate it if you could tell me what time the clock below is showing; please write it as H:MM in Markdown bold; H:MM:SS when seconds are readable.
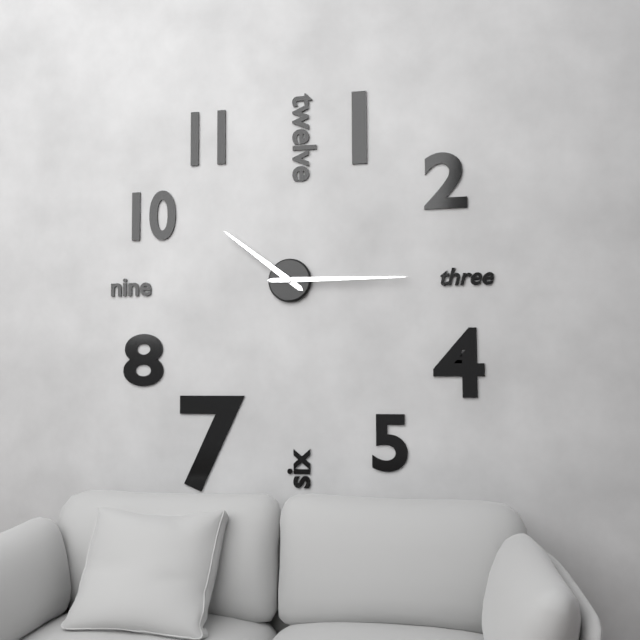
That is **10:15**
